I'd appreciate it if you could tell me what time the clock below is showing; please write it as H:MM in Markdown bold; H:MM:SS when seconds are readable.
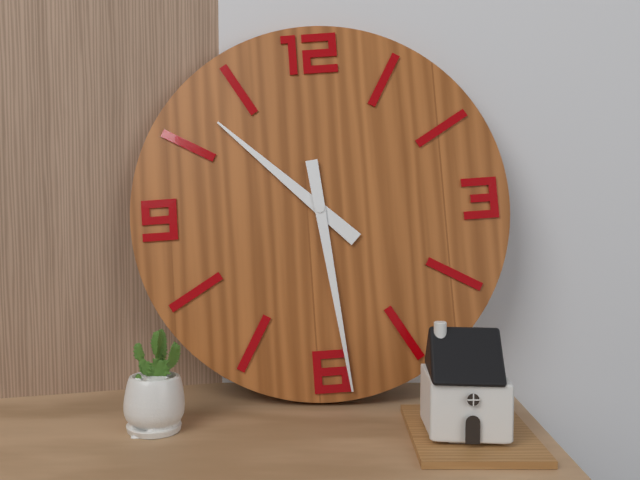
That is **10:29**
